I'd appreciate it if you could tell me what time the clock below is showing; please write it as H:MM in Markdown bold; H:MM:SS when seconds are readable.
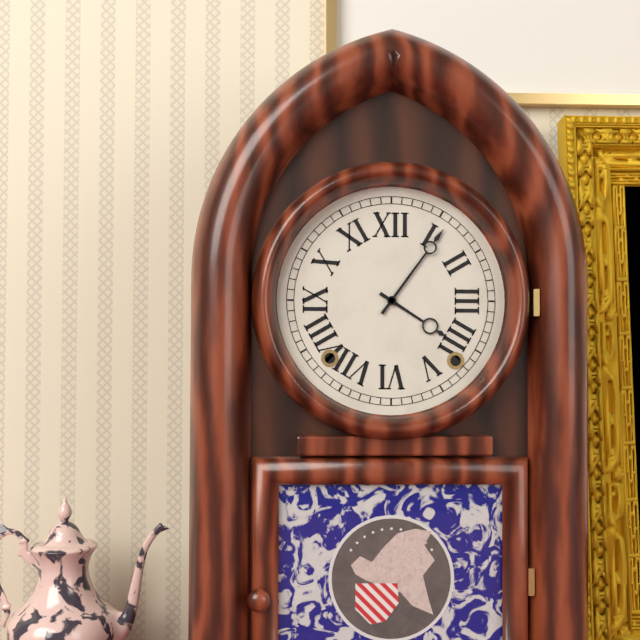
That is **4:06**
